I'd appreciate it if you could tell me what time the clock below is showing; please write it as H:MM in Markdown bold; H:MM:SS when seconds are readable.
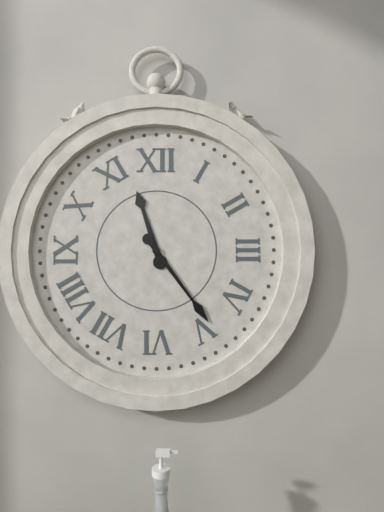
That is **11:24**
